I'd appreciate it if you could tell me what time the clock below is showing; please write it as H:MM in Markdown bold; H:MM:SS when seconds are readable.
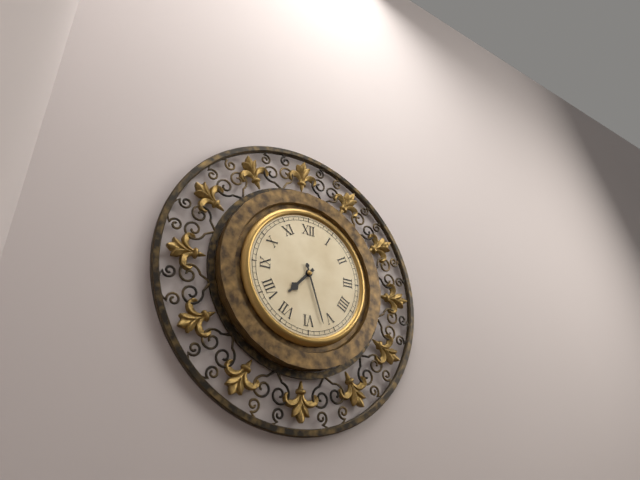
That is **7:27**
